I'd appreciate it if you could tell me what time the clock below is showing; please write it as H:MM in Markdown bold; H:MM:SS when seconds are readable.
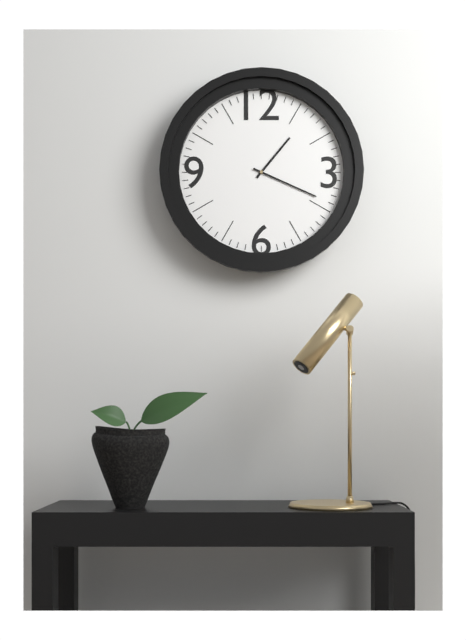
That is **1:19**
